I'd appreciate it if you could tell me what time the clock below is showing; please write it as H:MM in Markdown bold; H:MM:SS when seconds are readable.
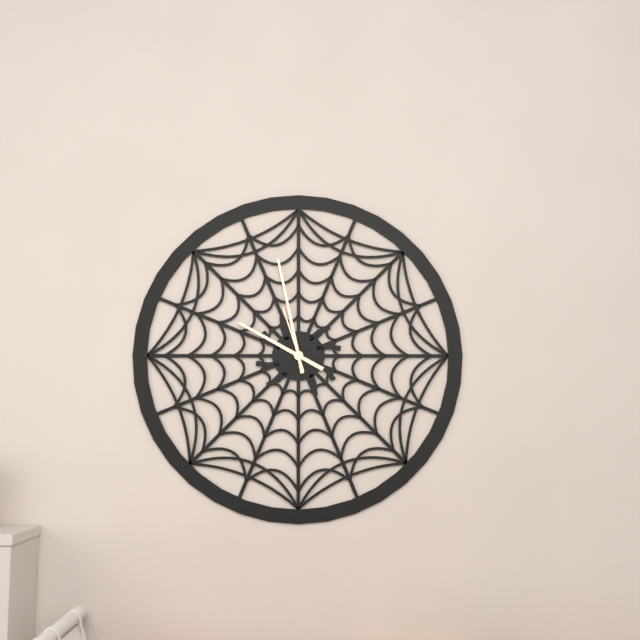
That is **9:58:57**
